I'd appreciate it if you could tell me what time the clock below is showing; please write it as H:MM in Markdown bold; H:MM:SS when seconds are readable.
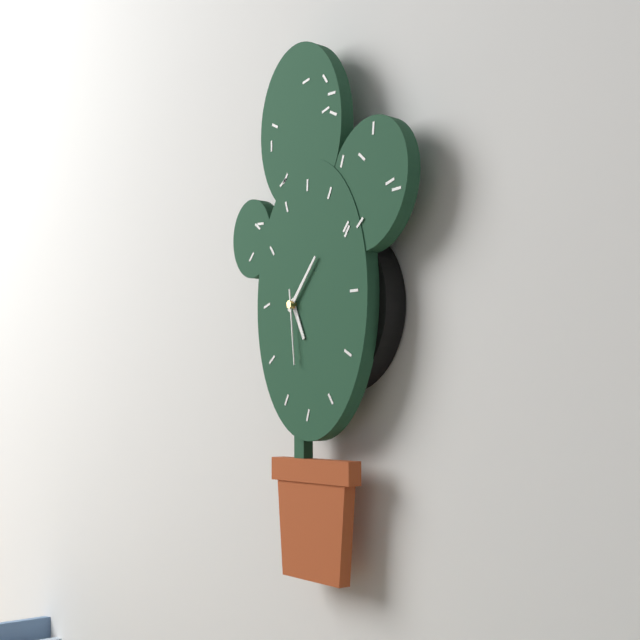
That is **5:07:29**
